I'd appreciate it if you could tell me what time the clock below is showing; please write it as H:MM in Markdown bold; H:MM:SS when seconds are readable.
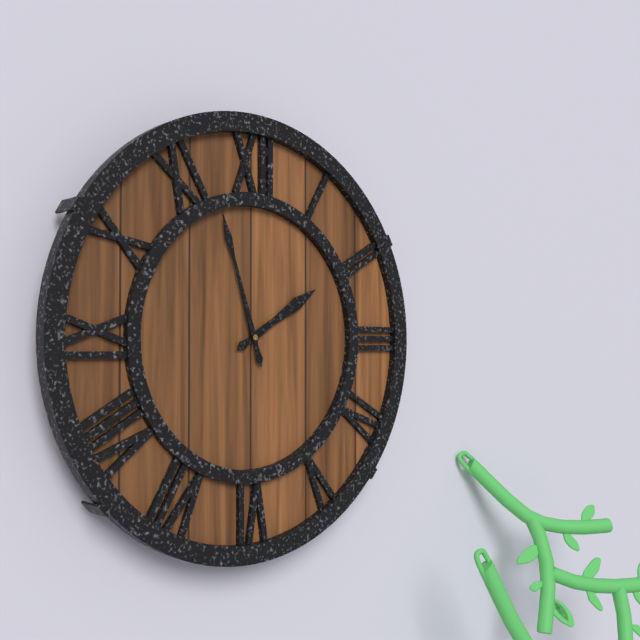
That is **1:57**
